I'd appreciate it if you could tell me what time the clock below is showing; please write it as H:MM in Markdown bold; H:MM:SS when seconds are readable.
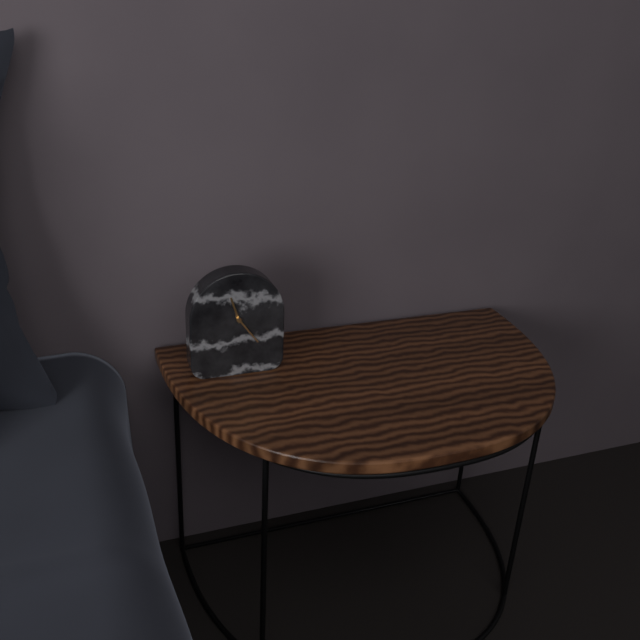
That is **11:24**
